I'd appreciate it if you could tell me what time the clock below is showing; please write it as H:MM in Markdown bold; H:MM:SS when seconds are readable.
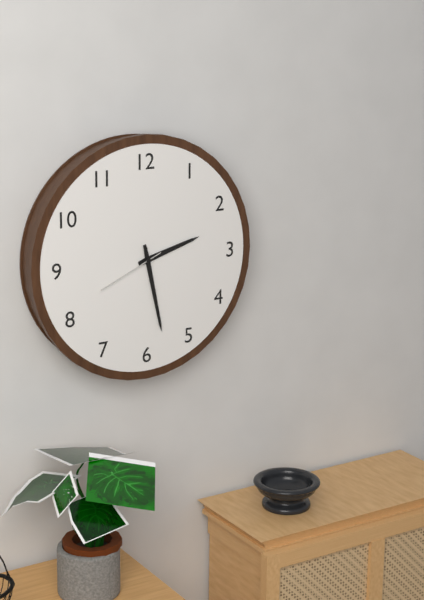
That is **2:28:41**
